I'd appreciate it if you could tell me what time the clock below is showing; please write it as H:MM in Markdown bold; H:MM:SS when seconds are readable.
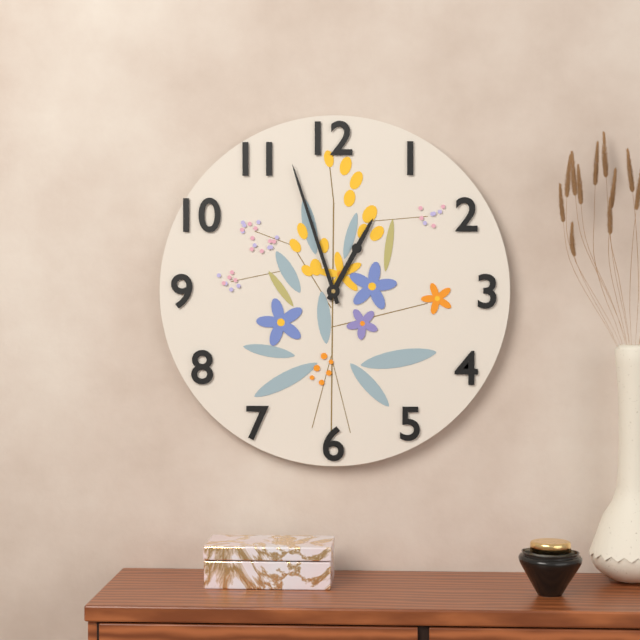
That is **12:57**
